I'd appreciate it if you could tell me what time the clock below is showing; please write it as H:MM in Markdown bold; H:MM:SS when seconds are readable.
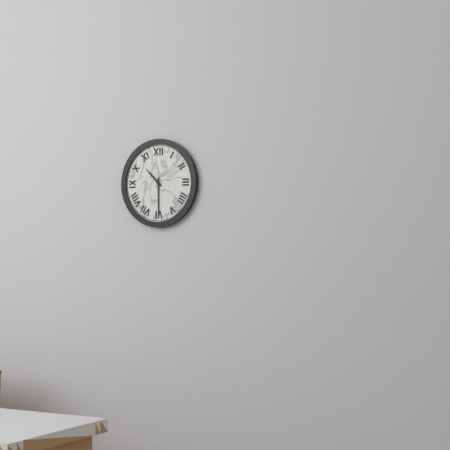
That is **10:30**
